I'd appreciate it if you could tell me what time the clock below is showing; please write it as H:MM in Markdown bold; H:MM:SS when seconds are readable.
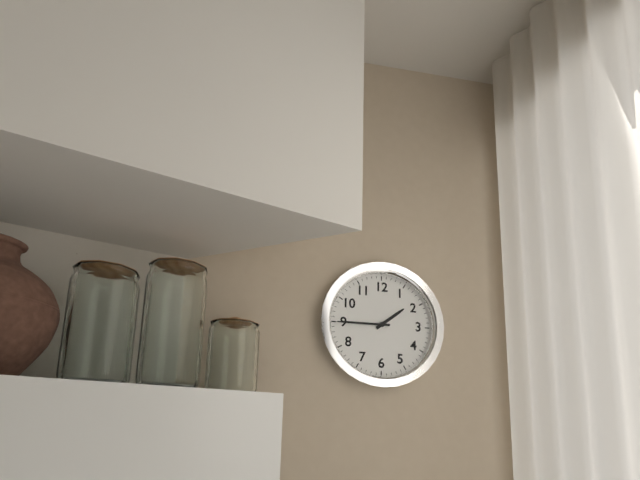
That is **1:45**
